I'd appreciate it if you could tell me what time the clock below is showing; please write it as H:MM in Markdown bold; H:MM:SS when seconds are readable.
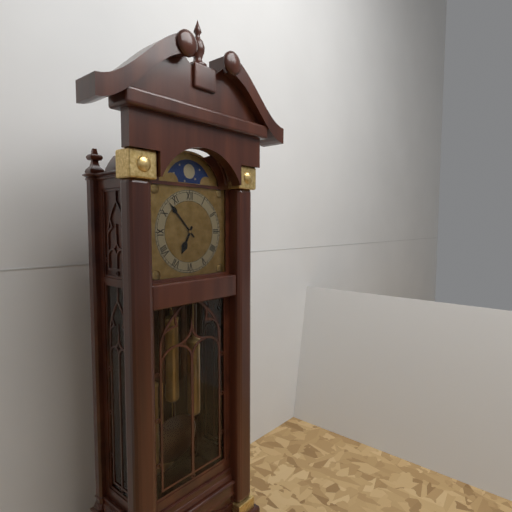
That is **6:53**
